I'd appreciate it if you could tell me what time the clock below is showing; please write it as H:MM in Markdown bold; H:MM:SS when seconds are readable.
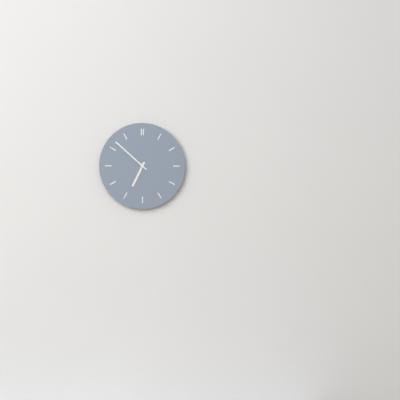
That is **6:52**
